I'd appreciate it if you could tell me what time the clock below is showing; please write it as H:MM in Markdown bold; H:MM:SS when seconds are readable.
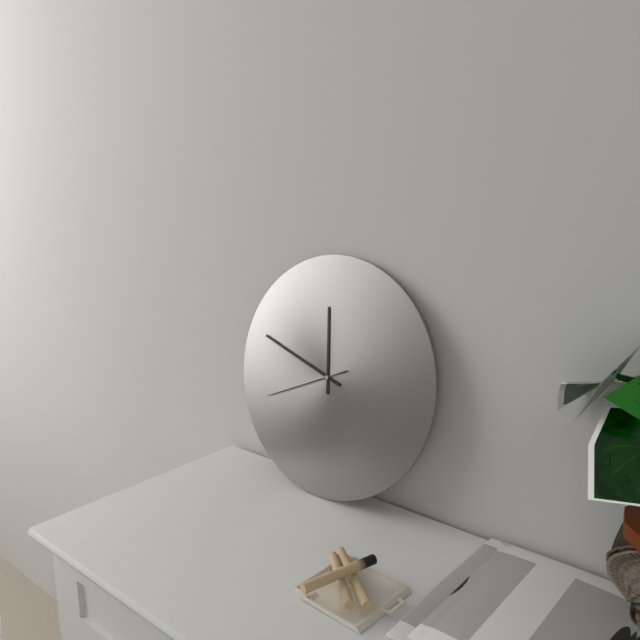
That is **11:48:41**
